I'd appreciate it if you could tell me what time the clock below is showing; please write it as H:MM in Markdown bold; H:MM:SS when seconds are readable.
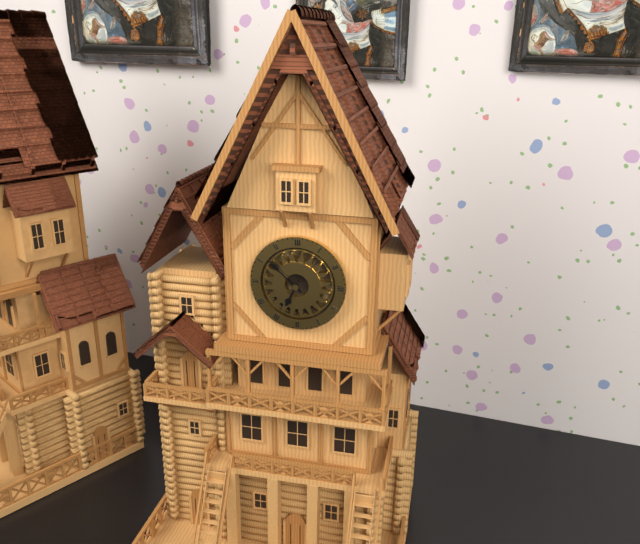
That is **6:52**
